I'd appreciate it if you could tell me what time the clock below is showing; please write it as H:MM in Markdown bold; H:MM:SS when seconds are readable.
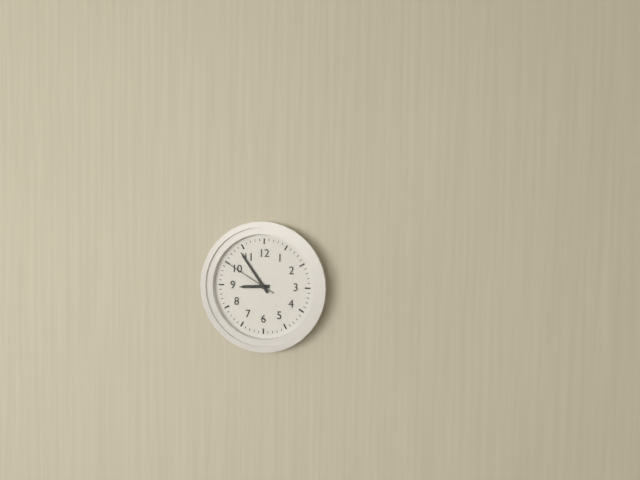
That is **8:54:50**
